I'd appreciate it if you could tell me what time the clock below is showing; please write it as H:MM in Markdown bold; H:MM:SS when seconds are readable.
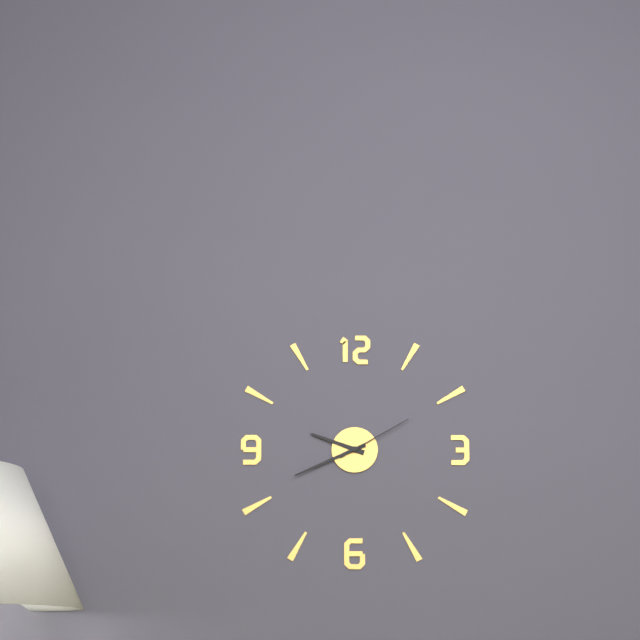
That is **9:41:10**
